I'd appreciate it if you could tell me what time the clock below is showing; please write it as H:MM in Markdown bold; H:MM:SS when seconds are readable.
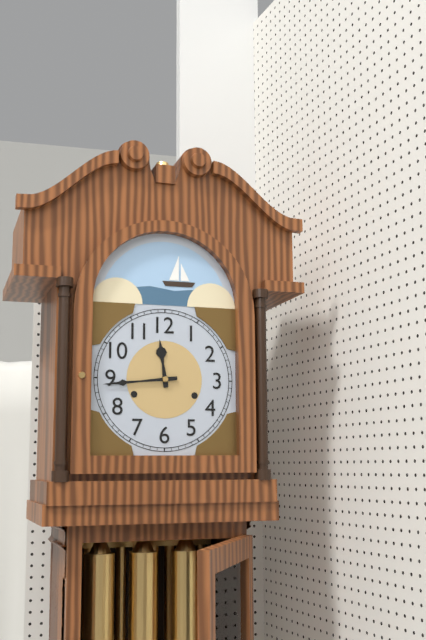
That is **11:44**
